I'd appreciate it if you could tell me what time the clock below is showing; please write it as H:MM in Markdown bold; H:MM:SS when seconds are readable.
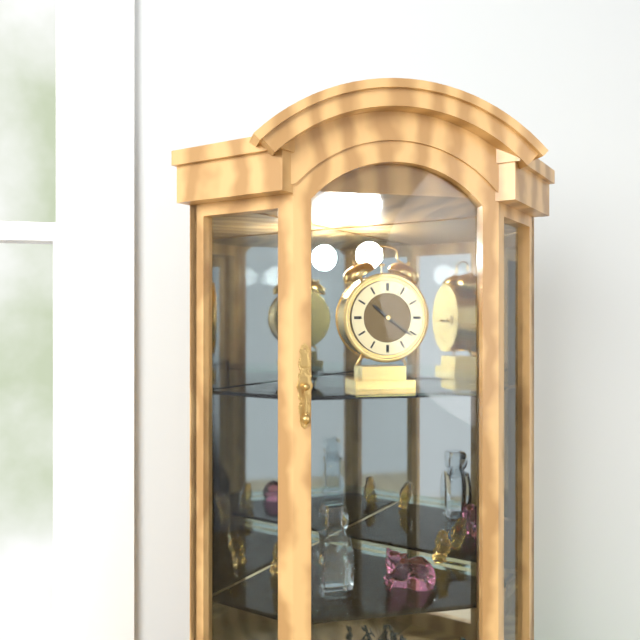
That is **10:21**
